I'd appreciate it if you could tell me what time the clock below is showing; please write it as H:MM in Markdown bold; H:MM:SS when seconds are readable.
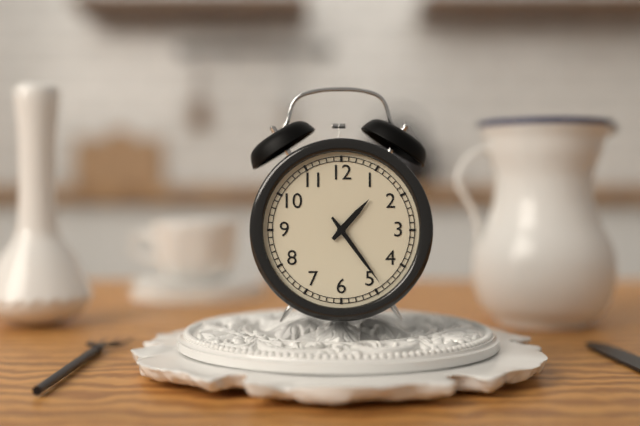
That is **1:24**
